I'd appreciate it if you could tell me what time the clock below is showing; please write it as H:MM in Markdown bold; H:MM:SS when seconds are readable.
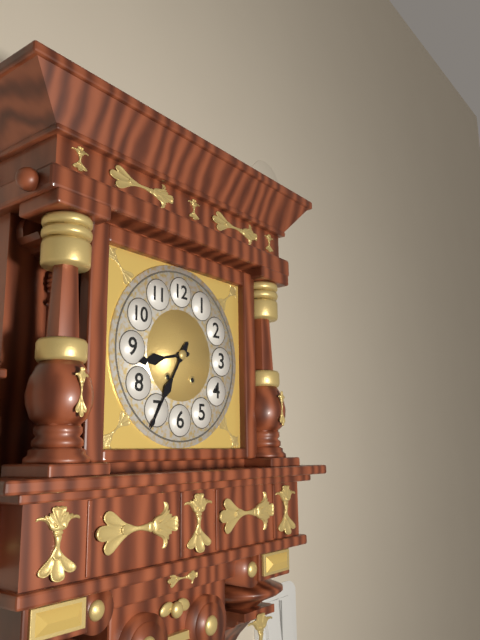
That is **8:35**
